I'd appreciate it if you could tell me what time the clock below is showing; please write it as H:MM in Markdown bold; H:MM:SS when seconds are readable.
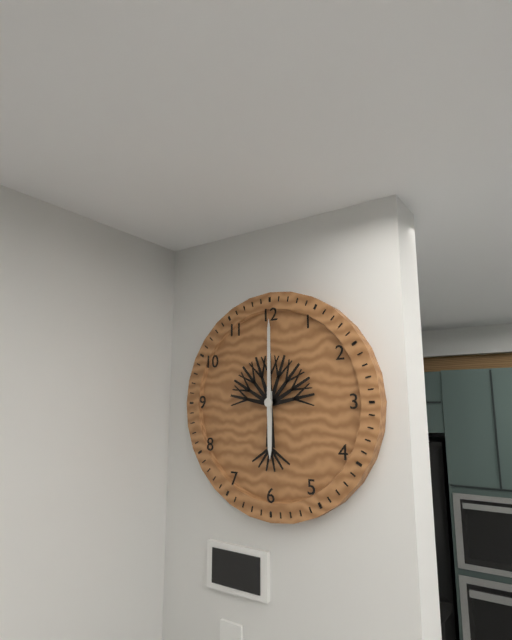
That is **6:00**
